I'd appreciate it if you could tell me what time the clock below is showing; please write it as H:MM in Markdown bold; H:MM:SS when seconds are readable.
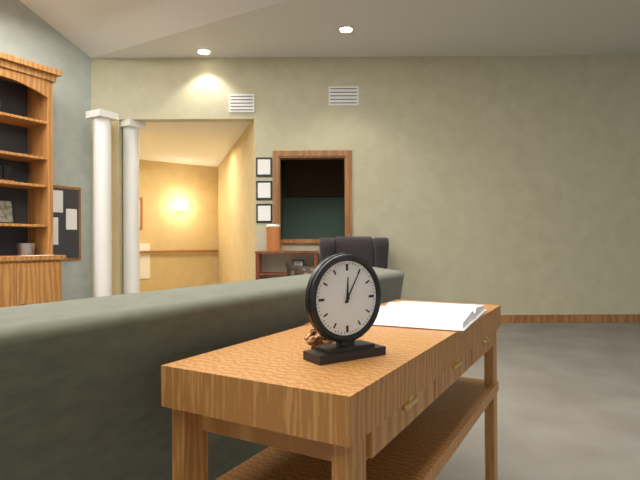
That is **12:05**
